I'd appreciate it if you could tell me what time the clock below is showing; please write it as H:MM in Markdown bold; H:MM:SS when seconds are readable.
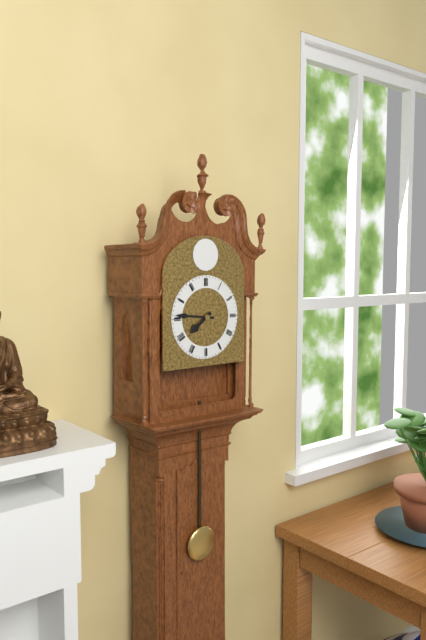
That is **7:46**
